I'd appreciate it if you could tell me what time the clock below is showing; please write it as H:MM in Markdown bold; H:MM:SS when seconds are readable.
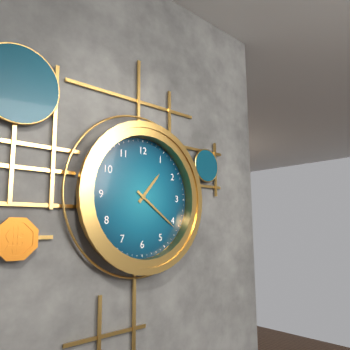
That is **1:21**
